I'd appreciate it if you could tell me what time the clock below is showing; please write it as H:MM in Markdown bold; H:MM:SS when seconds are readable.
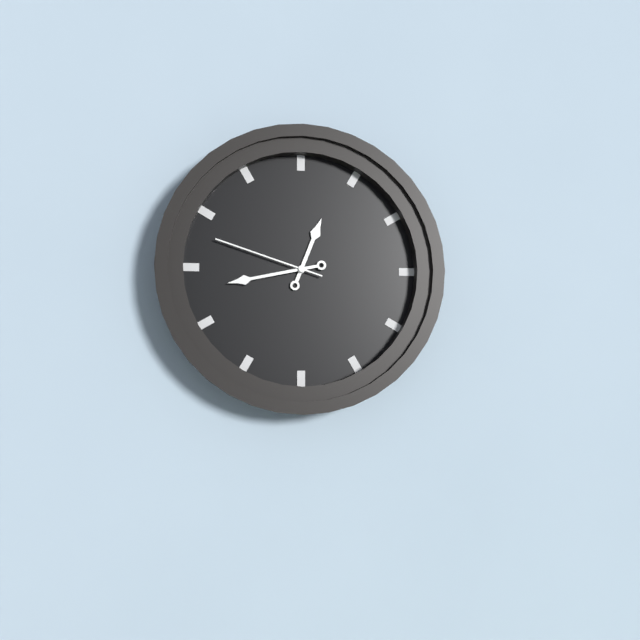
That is **12:43:48**
